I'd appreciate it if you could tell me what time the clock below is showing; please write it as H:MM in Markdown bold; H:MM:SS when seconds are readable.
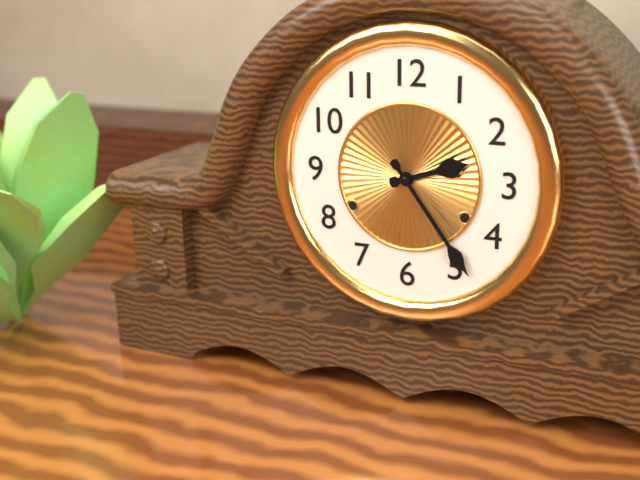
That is **2:24**
